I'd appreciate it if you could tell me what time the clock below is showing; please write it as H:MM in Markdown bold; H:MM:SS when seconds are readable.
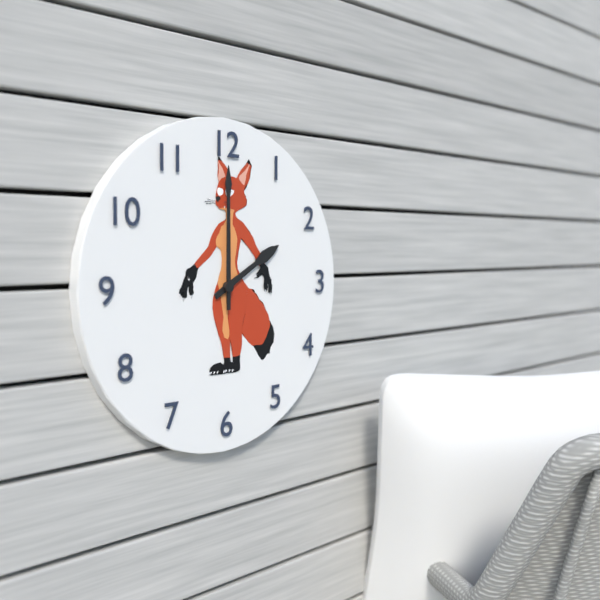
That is **2:00**
